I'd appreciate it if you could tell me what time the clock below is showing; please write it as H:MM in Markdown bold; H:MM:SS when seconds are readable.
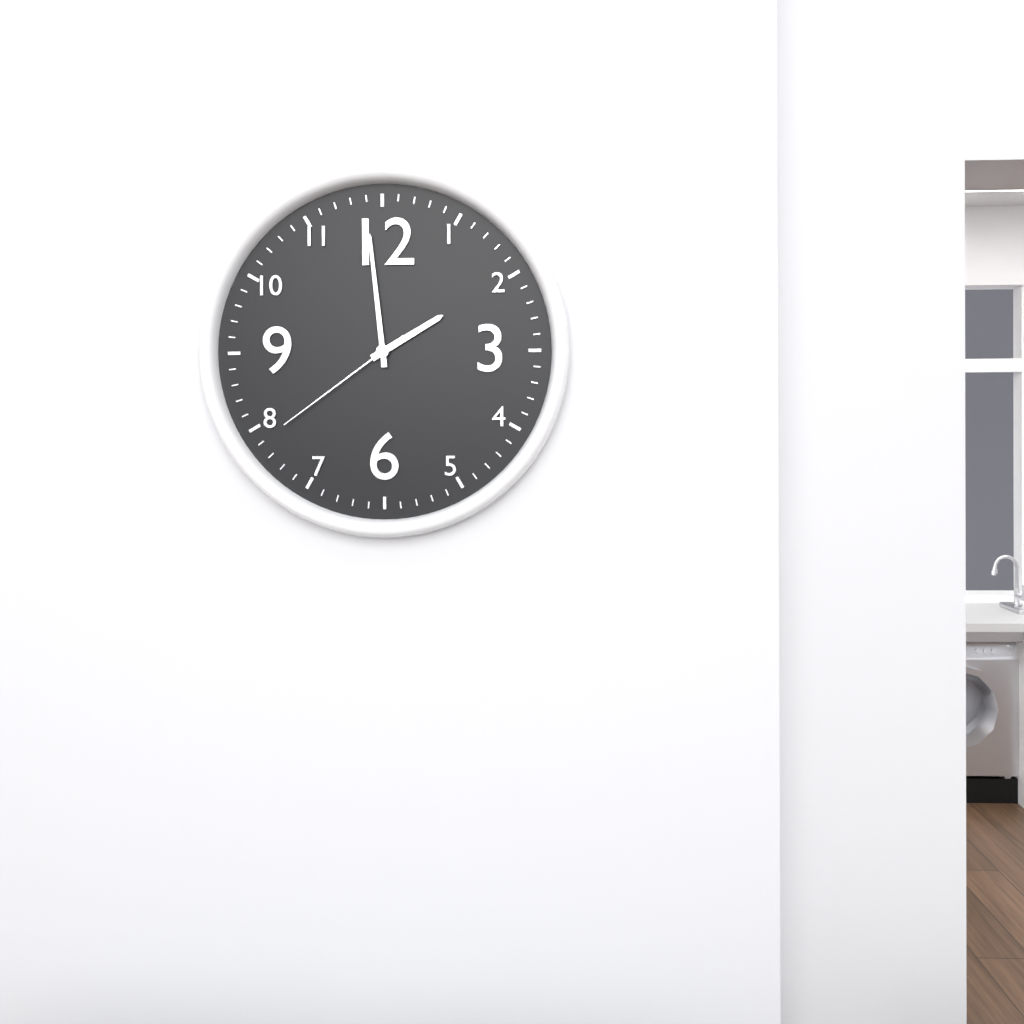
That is **1:59:39**
